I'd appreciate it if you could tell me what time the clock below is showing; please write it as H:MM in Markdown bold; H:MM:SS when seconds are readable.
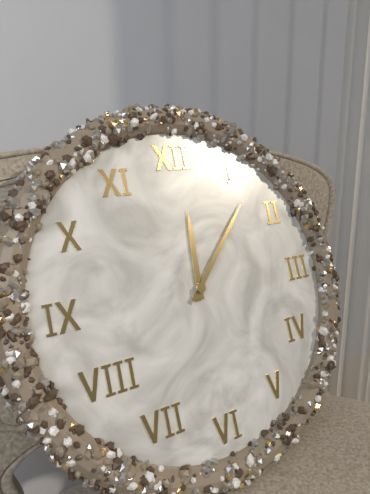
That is **12:07**
